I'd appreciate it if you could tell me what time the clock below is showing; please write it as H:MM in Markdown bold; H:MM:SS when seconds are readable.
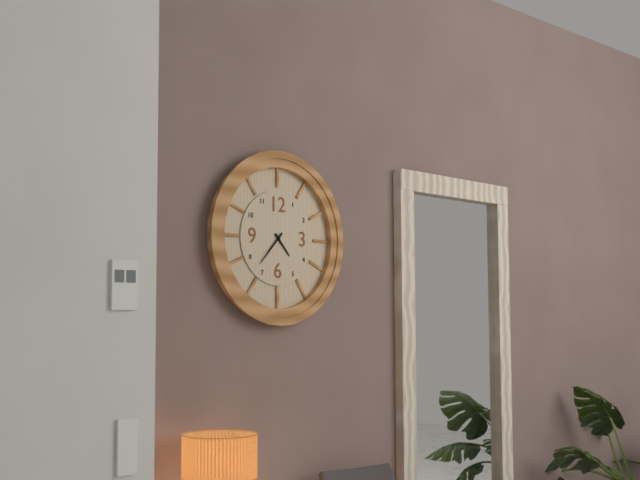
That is **4:37**
